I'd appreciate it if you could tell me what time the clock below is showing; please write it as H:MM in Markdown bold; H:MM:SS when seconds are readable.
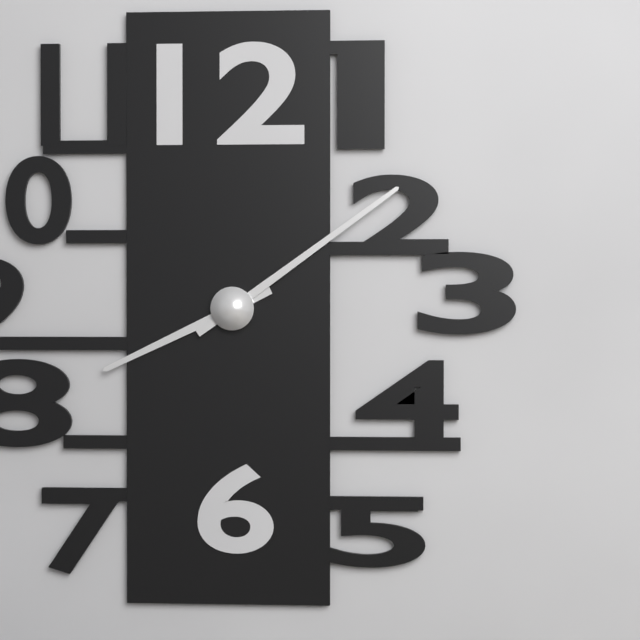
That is **8:09**
